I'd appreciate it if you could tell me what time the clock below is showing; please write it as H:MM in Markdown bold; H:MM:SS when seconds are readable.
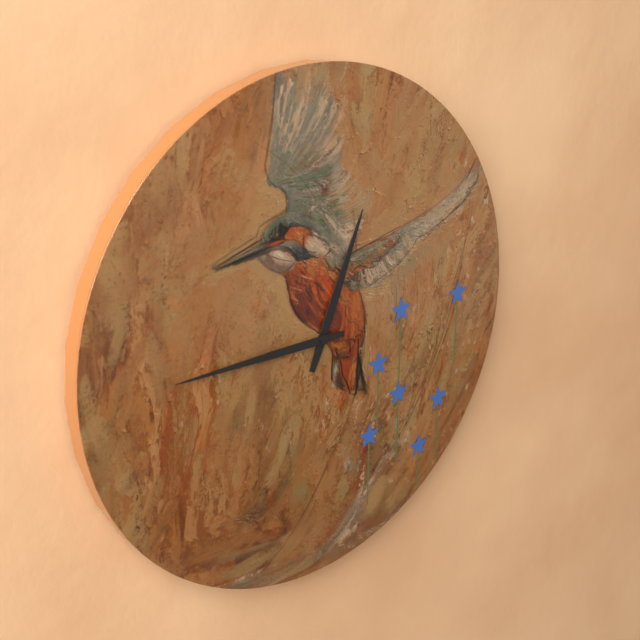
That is **12:45**
